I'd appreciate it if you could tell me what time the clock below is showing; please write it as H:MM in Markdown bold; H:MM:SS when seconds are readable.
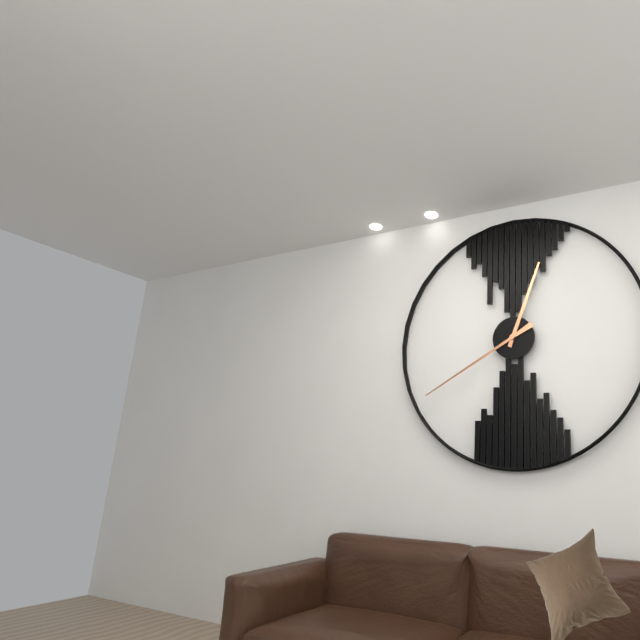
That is **12:40**
